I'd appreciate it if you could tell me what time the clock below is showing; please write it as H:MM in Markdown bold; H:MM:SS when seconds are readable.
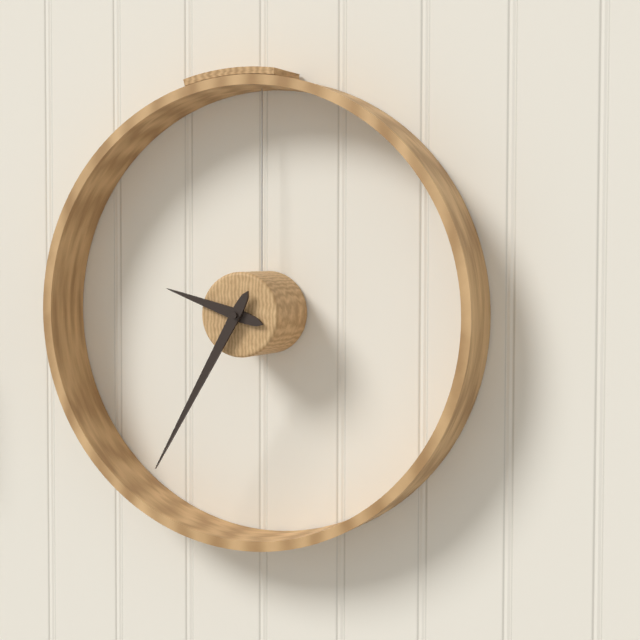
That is **9:35**
